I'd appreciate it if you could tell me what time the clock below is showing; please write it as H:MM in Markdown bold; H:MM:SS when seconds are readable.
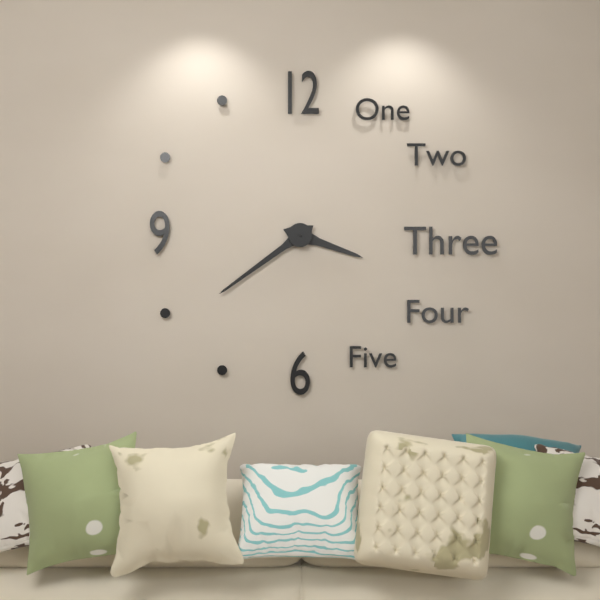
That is **3:39**
